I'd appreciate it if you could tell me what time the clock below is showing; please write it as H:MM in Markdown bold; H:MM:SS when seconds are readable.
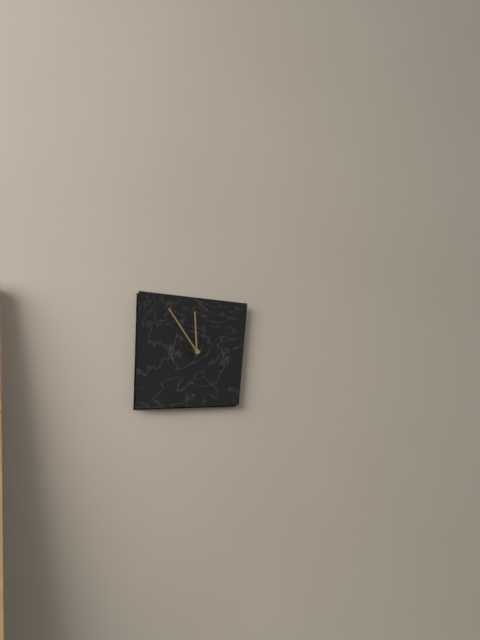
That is **11:54**
